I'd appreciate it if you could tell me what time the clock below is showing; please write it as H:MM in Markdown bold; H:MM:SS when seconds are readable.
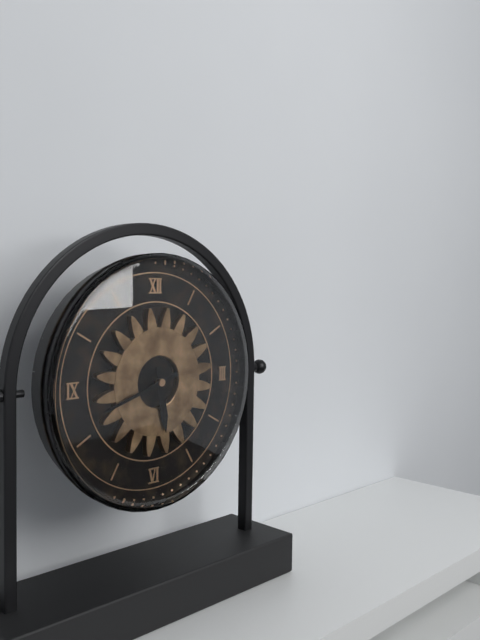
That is **5:42**
